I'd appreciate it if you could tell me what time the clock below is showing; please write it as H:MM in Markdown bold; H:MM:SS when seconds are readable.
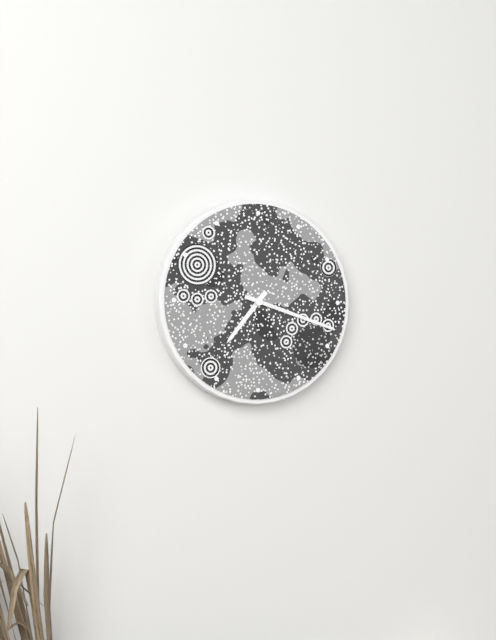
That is **7:18**
